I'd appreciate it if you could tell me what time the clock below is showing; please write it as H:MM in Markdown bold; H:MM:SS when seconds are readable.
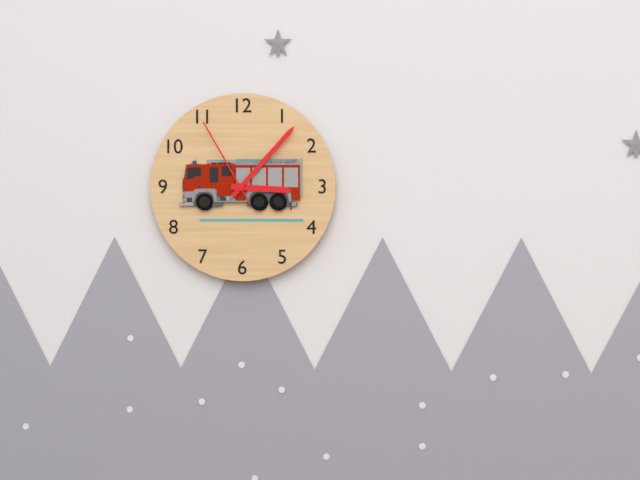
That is **3:07:55**
